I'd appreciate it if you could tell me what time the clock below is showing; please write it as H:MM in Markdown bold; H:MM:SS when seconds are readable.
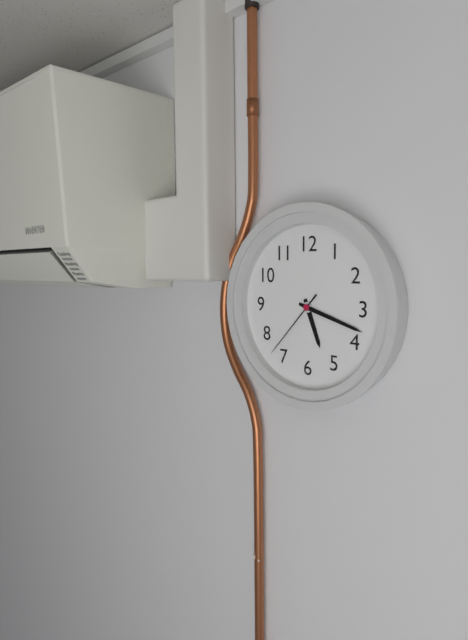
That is **5:18:37**
